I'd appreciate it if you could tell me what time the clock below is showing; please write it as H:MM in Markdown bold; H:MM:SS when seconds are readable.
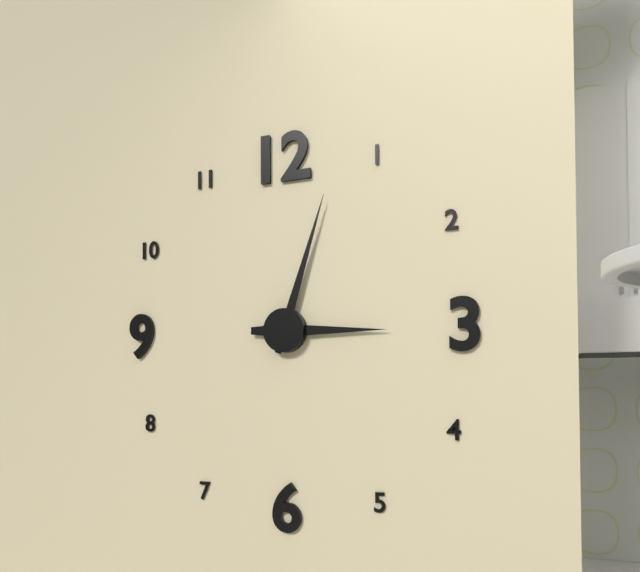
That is **3:03**
